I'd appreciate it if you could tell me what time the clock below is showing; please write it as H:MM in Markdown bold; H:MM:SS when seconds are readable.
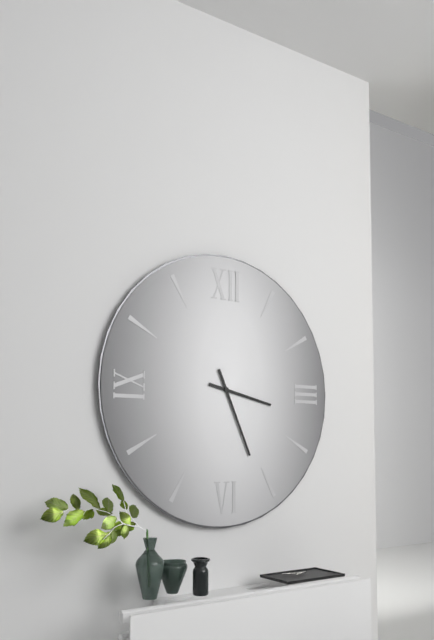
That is **3:26**
